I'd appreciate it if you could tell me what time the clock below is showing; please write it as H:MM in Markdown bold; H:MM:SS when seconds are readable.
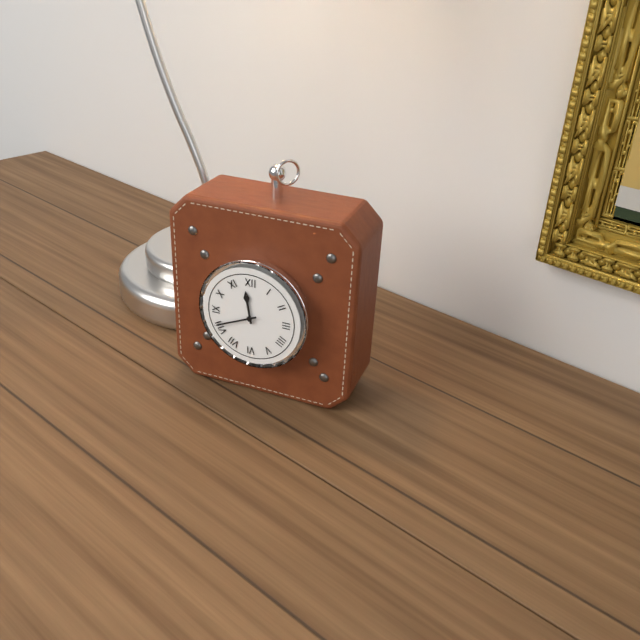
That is **11:41**
